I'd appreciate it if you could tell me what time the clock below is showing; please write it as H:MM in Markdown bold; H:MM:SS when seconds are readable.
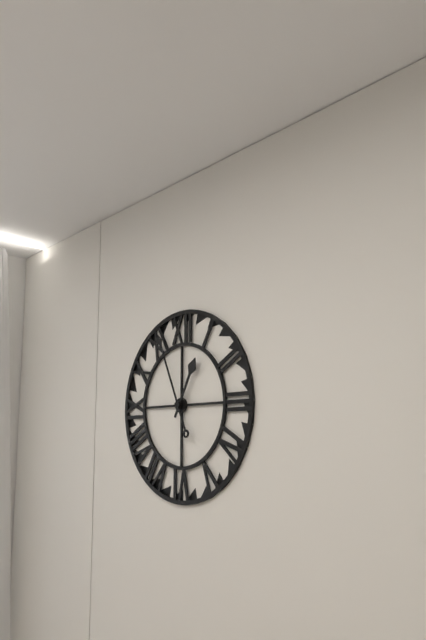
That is **12:56**
